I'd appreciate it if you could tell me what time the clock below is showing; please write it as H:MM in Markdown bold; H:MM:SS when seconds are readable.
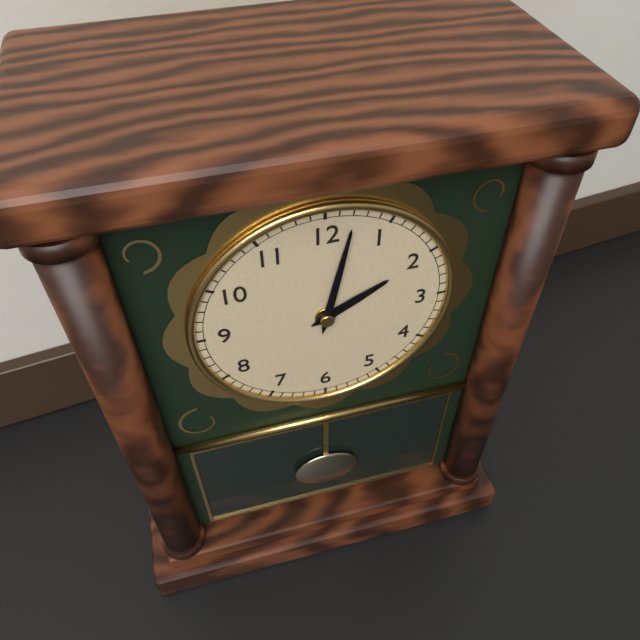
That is **2:02**
